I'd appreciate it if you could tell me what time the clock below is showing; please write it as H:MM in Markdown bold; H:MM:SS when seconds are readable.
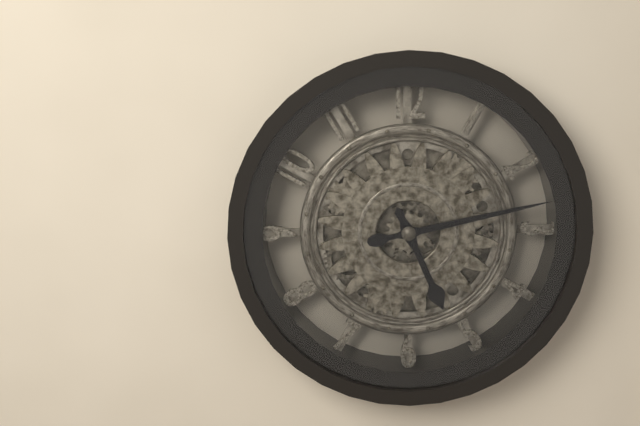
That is **5:13**
